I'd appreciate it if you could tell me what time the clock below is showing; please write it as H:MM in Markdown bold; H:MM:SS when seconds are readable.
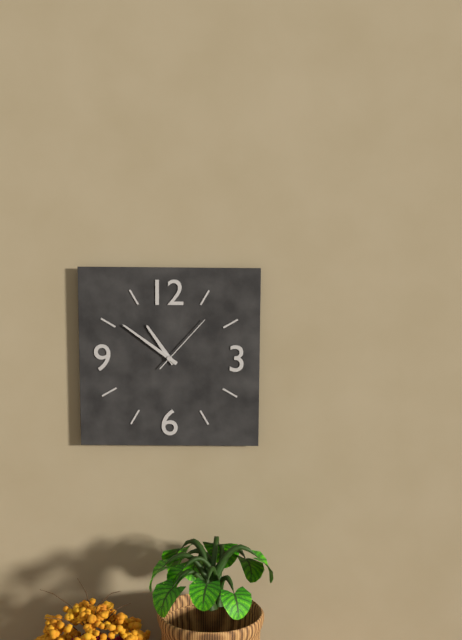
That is **10:51:07**
